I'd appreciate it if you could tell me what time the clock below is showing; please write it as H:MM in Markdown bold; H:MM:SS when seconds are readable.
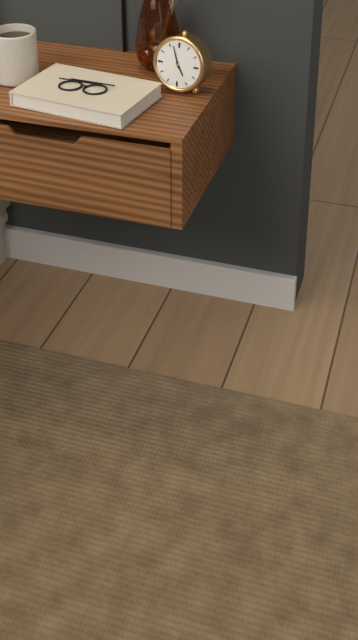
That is **4:57**
